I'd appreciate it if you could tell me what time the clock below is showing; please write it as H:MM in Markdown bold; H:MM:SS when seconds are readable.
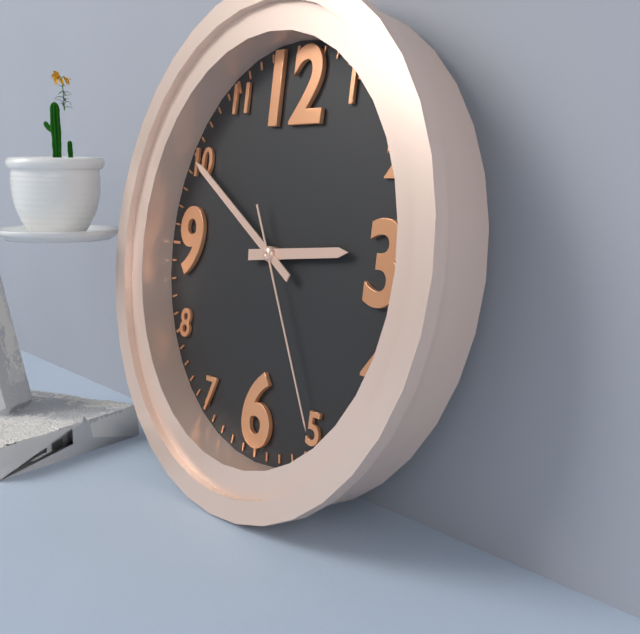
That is **2:50:25**
